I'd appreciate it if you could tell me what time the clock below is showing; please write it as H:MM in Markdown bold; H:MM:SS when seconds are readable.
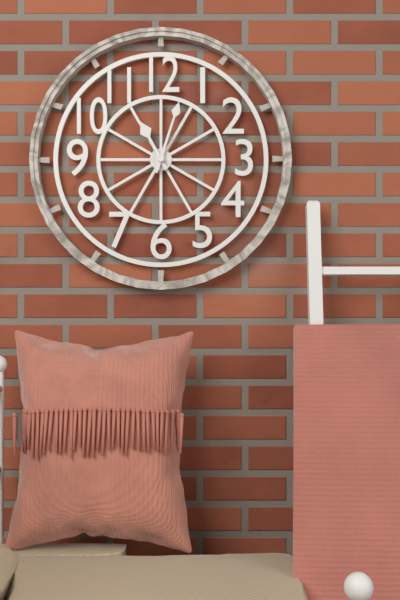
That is **11:03**
